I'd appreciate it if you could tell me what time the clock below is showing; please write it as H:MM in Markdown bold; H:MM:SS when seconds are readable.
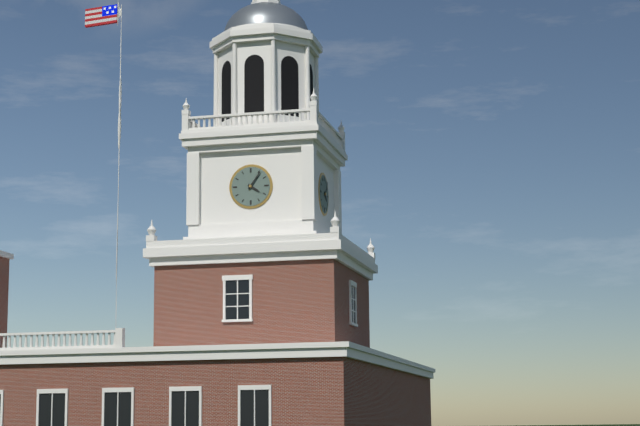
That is **4:06**
